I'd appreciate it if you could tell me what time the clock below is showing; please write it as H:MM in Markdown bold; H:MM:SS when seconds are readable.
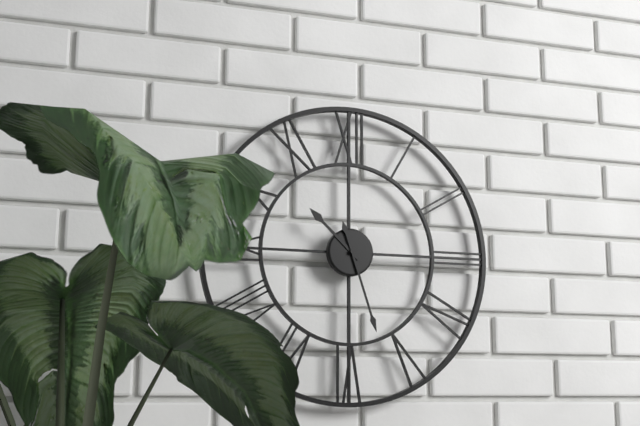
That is **10:27**
